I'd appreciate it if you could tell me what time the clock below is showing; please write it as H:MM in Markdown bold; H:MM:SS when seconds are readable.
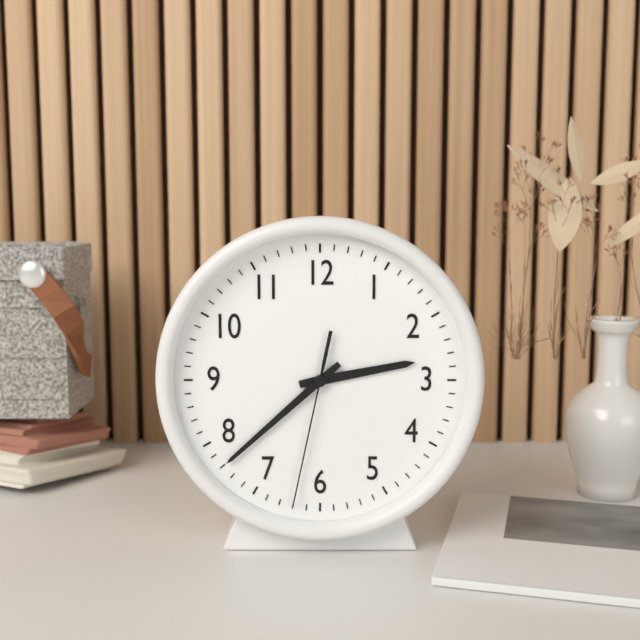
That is **2:38:32**
